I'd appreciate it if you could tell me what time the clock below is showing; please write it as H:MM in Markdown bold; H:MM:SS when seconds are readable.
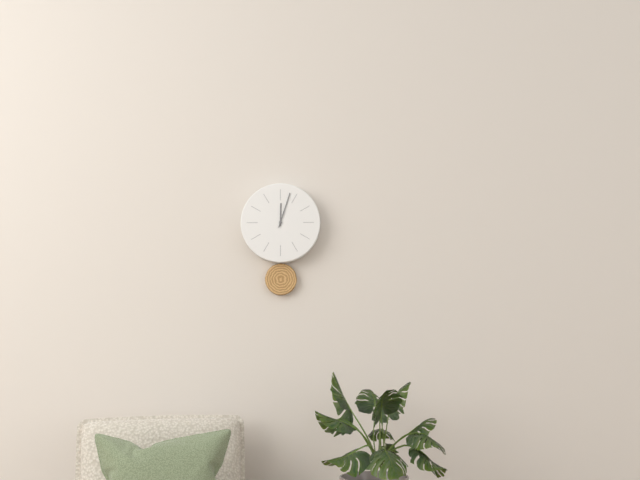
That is **12:03**
